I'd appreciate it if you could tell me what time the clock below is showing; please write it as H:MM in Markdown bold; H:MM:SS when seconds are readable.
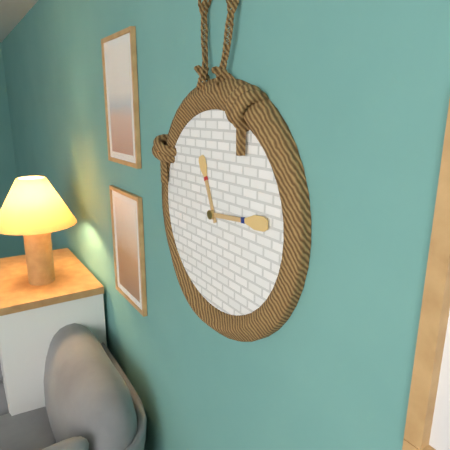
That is **11:14**
